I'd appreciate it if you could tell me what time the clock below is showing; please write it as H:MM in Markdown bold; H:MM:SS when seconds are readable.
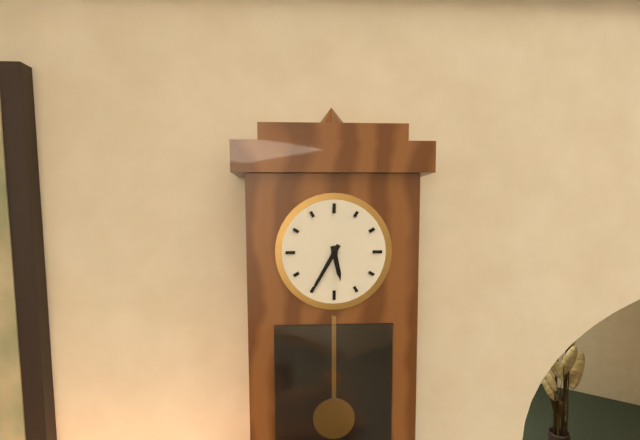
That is **5:35**
